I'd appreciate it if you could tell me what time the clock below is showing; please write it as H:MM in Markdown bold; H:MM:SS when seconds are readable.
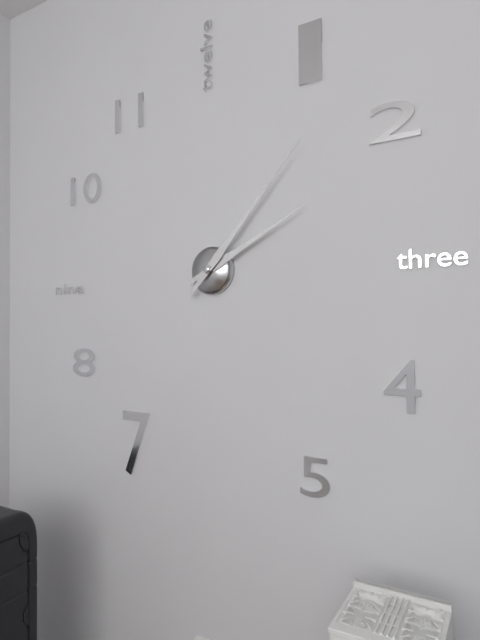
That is **2:07**
